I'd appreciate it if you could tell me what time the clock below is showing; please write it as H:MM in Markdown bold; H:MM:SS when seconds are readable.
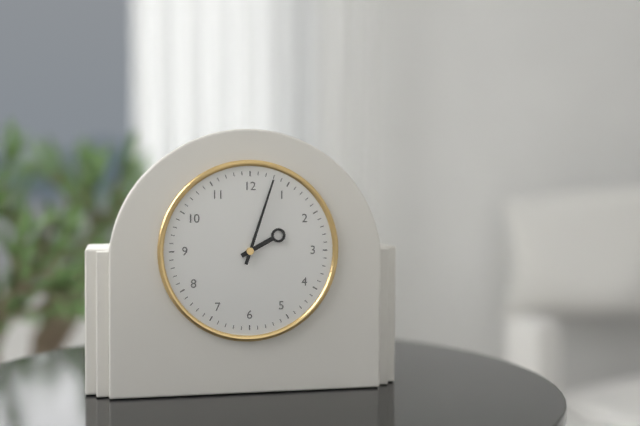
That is **2:03**
